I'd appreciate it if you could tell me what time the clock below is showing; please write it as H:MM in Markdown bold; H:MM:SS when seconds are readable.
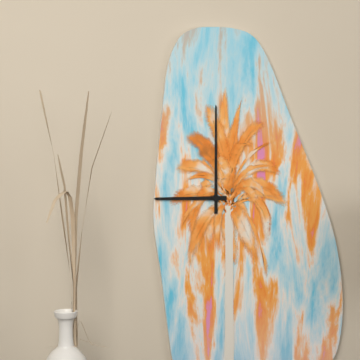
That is **9:00**
